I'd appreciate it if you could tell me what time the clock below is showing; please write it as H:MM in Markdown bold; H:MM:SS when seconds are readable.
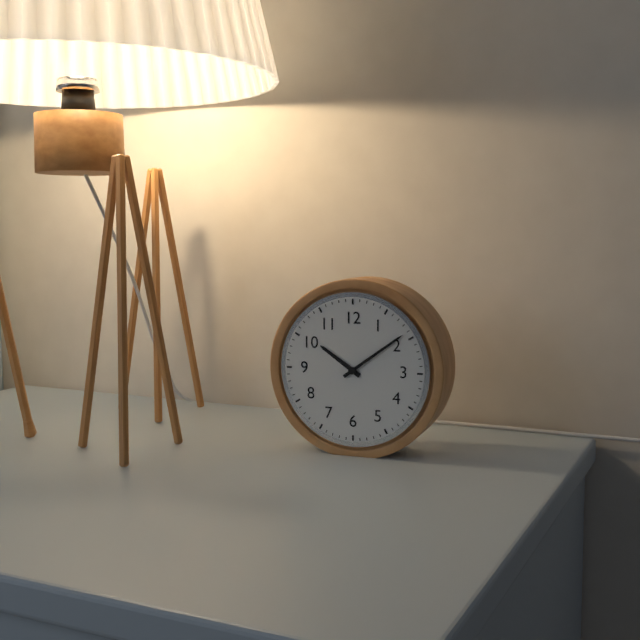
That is **10:09**
